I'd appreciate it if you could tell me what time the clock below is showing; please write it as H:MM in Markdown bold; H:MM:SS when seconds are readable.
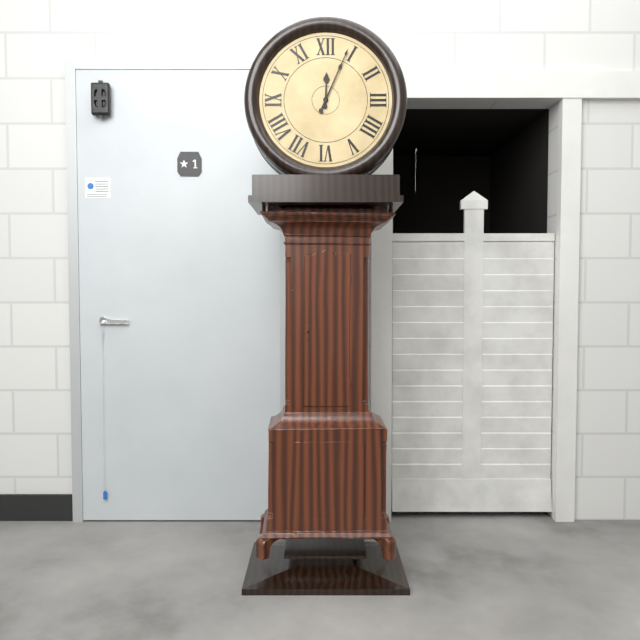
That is **12:04**
